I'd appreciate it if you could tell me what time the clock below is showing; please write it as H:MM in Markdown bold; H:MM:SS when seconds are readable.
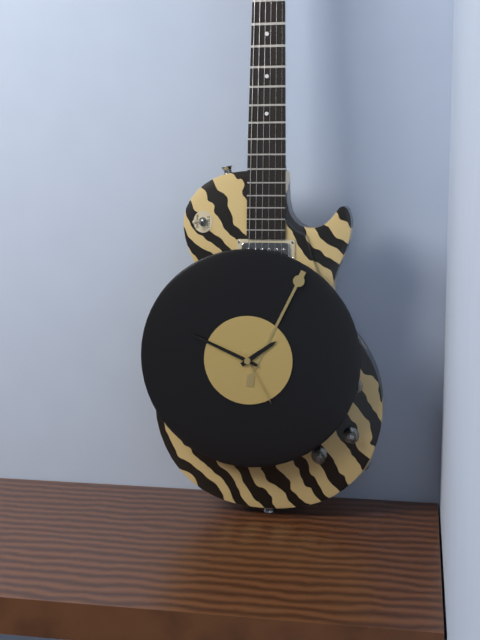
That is **1:49:25**
